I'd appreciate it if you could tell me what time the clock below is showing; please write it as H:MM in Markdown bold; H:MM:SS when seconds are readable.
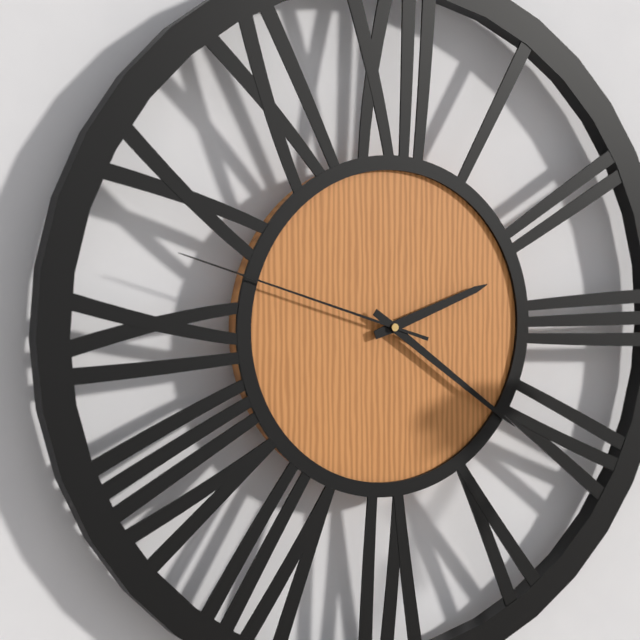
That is **2:21:48**
